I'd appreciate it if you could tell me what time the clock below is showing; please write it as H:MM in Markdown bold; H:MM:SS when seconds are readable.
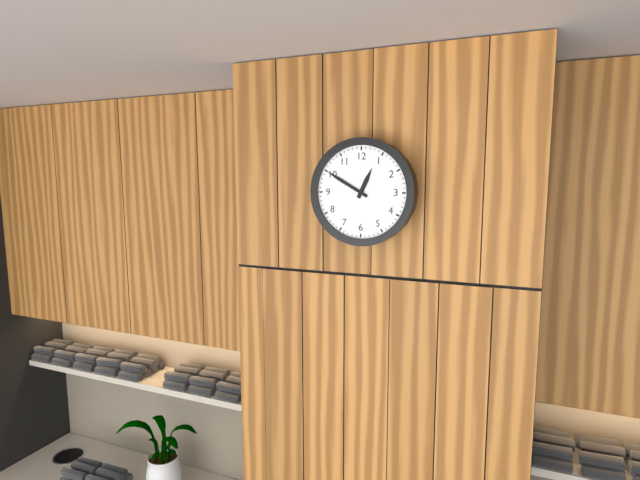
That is **12:50**
